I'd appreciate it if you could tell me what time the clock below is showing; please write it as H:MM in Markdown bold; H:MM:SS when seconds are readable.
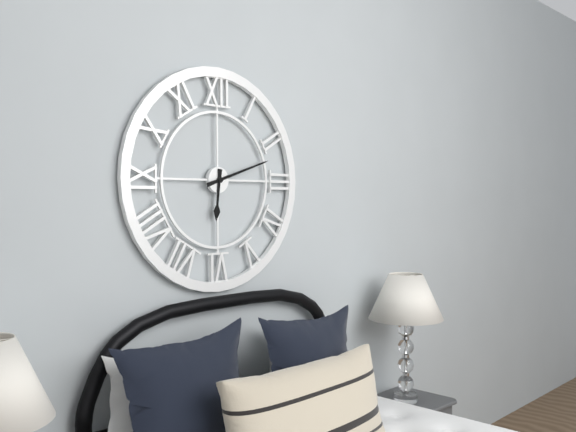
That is **6:12**
